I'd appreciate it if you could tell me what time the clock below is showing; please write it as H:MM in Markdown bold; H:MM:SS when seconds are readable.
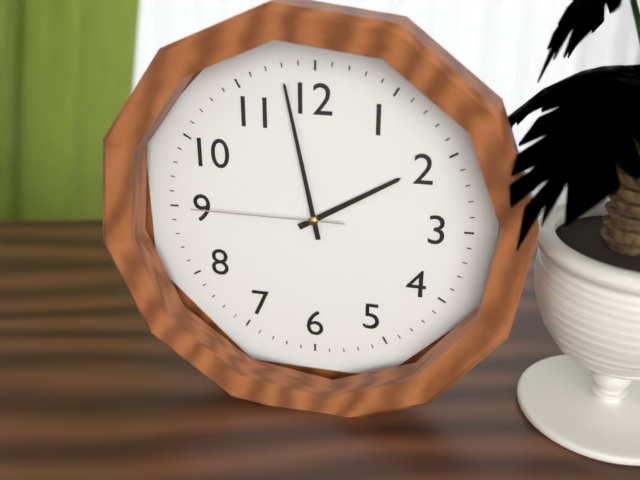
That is **1:58:45**
